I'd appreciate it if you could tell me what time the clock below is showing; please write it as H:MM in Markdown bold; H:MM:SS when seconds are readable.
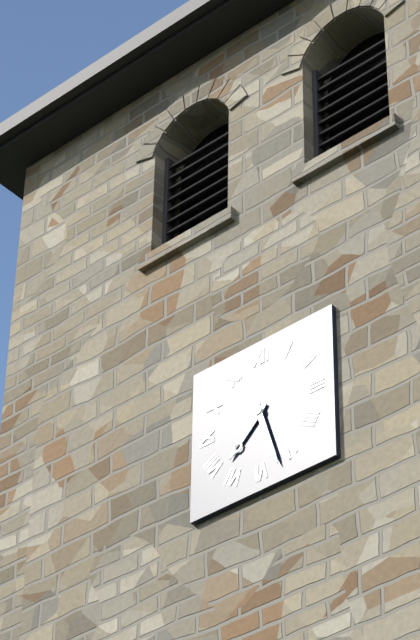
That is **7:27**
